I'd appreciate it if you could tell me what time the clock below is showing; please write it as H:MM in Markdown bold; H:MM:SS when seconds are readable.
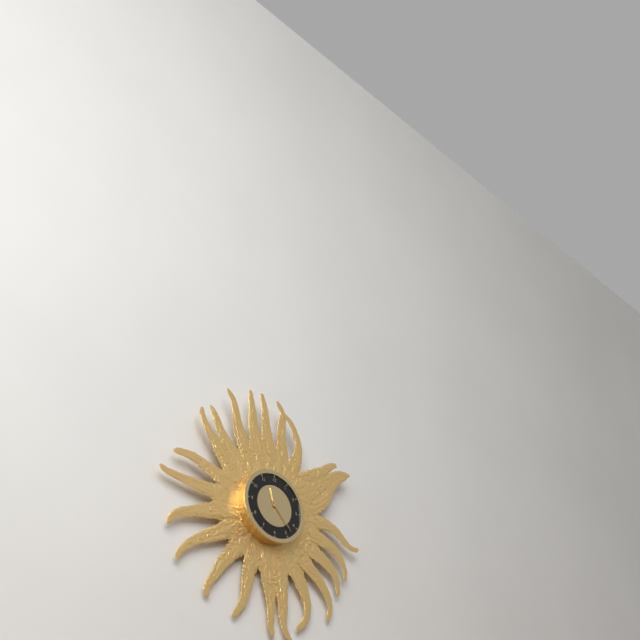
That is **11:23**
